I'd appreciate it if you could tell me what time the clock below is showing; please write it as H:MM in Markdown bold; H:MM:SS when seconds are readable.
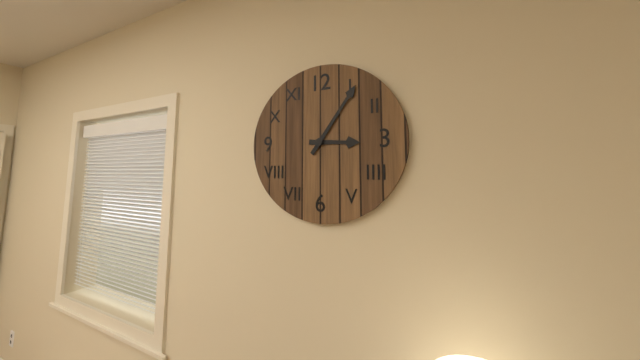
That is **3:06**
